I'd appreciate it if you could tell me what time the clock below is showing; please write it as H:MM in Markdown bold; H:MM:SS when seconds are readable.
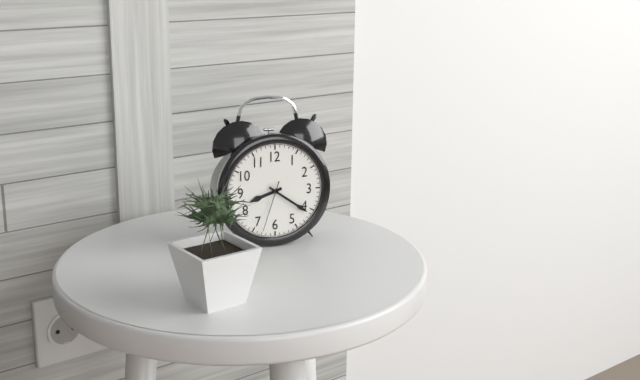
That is **8:21:33**
